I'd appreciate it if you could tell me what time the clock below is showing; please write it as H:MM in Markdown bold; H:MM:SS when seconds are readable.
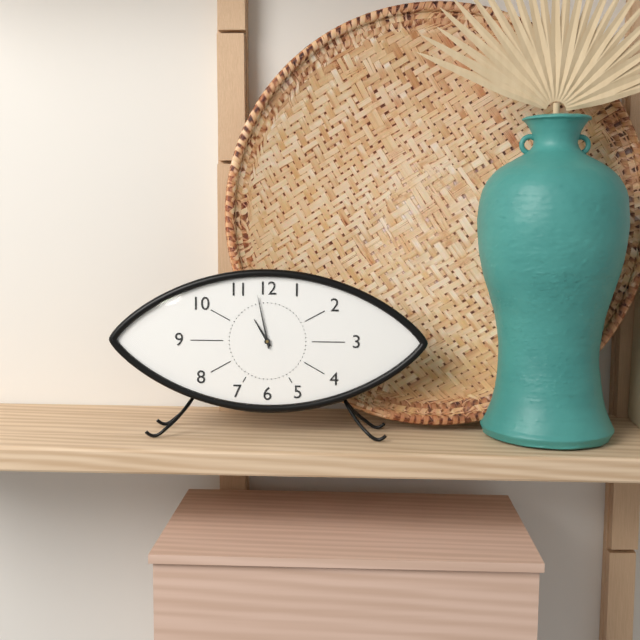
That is **10:58**
